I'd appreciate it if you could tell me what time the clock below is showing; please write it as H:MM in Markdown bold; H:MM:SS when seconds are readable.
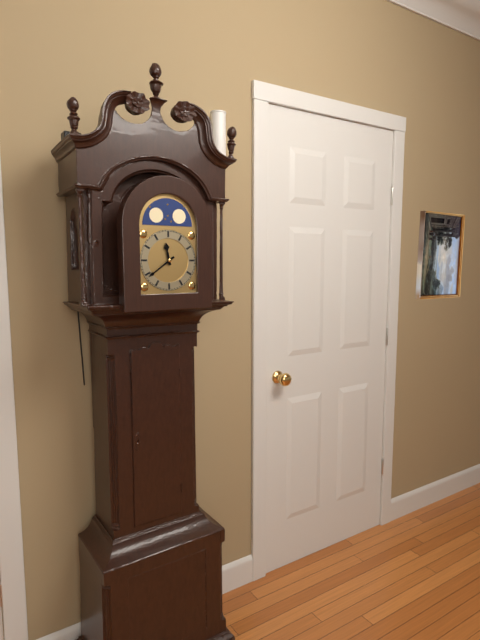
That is **11:39**
